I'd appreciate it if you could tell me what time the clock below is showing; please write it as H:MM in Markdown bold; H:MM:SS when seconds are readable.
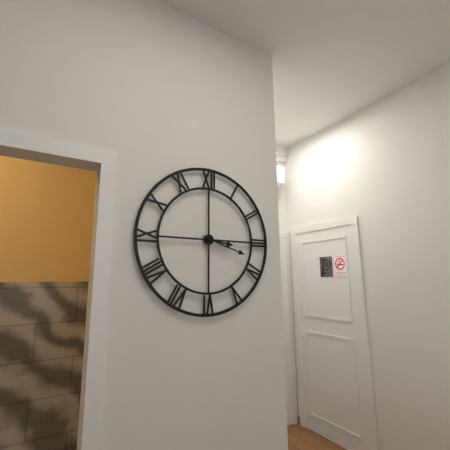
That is **3:18**
